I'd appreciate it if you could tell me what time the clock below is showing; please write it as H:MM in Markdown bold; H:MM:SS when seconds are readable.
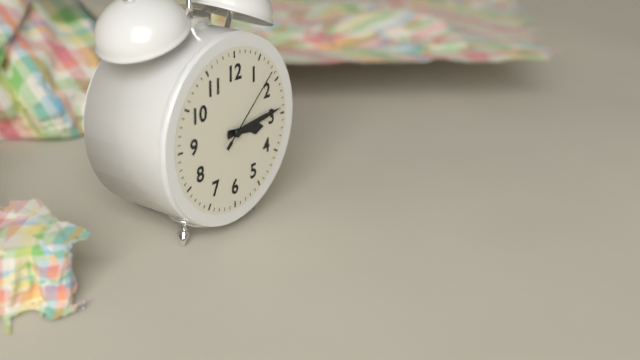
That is **3:14:08**
